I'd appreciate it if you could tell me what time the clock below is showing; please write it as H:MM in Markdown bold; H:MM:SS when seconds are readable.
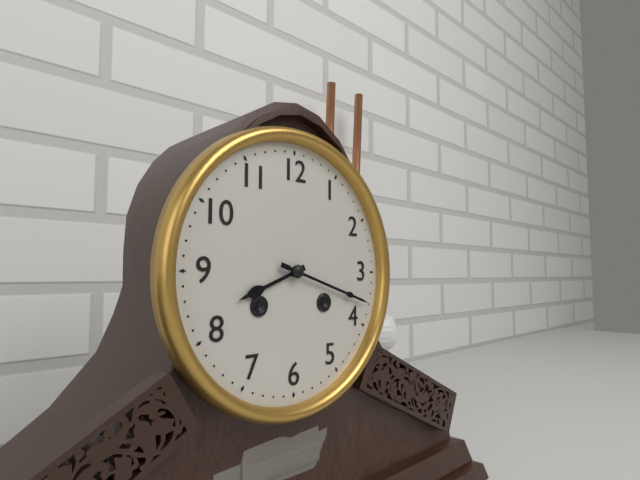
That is **8:18**
